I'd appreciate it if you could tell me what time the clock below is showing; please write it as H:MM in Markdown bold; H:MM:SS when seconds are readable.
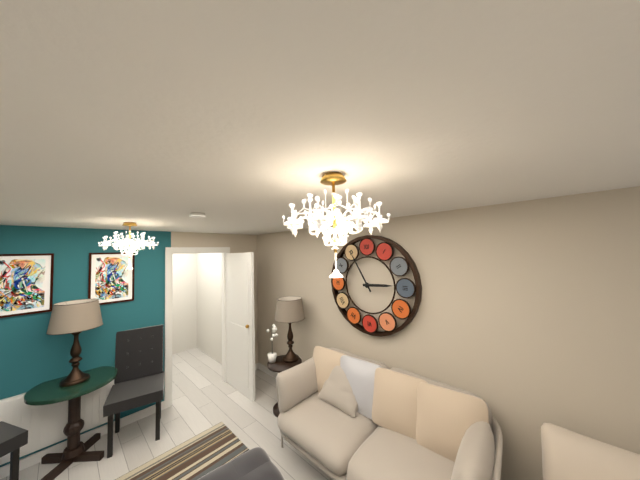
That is **2:55**
